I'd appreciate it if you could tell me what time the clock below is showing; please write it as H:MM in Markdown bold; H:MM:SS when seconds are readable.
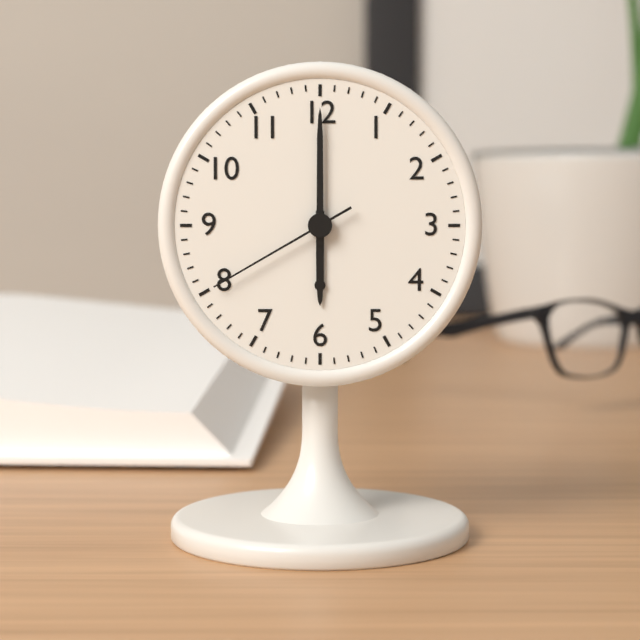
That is **6:00:40**
